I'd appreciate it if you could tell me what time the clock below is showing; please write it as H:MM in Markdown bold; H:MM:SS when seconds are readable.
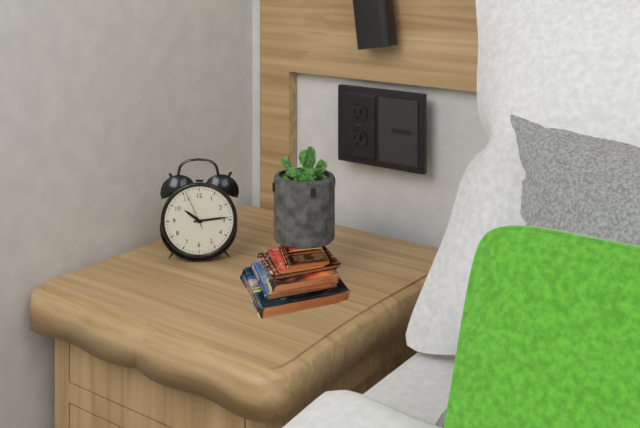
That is **10:14**
